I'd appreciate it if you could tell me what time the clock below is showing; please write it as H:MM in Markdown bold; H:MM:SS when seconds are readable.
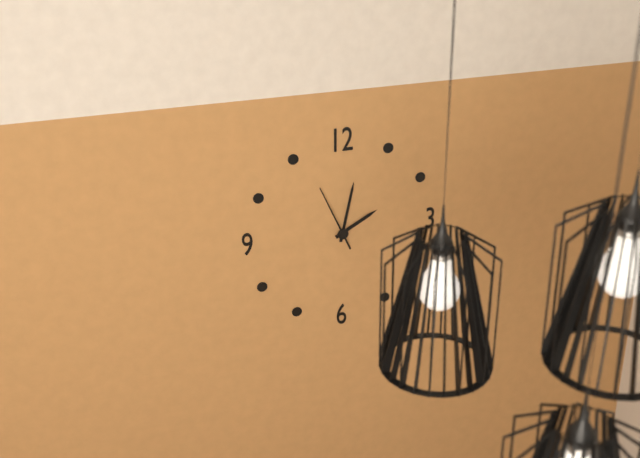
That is **2:02:56**
